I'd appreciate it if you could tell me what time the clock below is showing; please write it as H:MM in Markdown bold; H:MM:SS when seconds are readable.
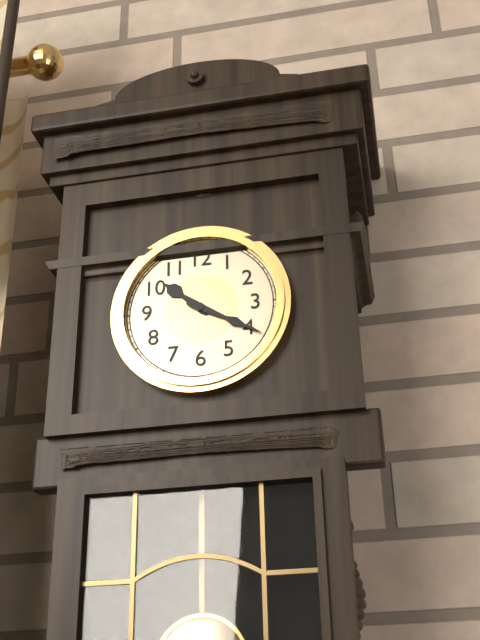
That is **10:20**
